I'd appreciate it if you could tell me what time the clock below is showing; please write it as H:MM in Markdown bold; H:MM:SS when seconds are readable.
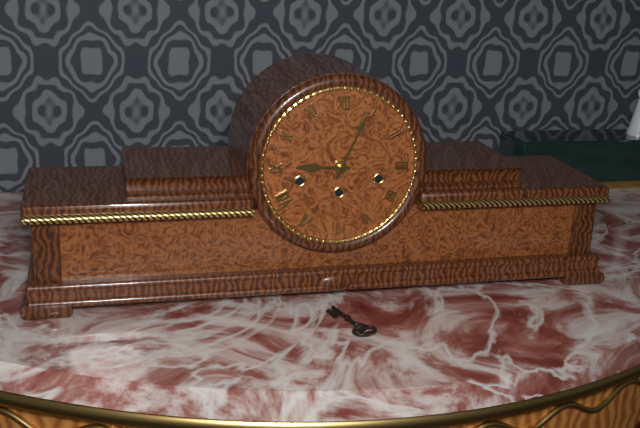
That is **9:04**
